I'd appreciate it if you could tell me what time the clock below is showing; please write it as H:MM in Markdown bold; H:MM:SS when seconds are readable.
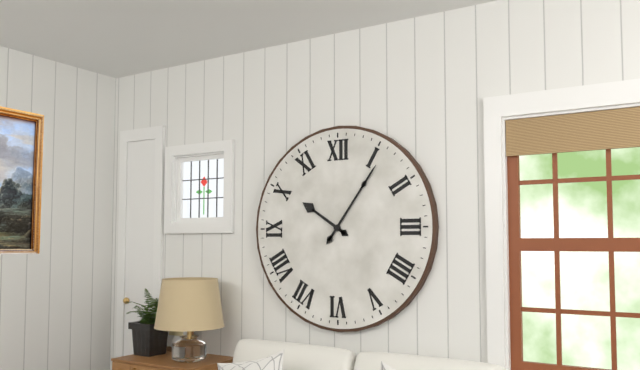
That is **10:06**
